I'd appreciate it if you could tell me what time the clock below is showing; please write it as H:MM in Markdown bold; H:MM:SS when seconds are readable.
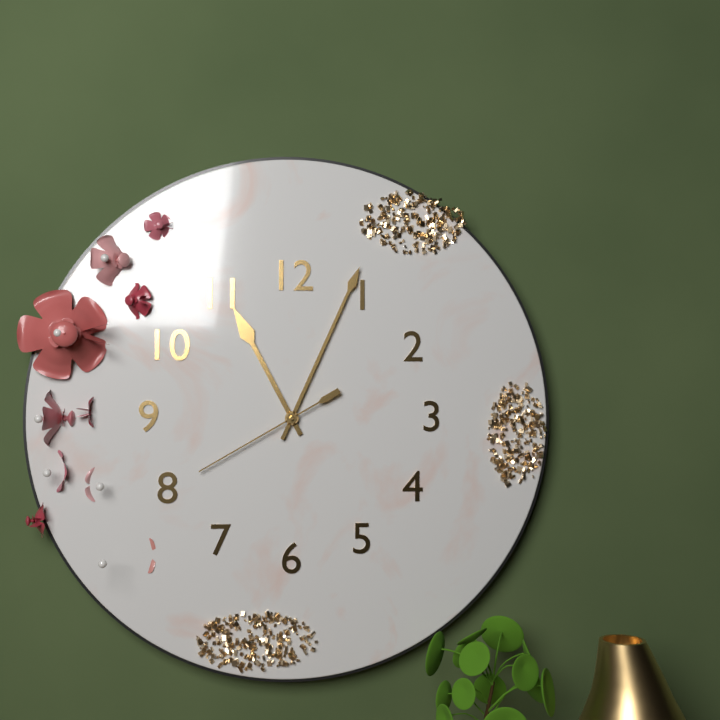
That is **11:04:40**
